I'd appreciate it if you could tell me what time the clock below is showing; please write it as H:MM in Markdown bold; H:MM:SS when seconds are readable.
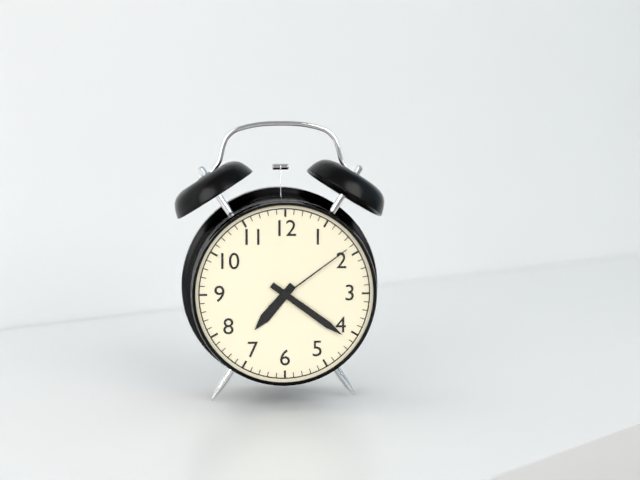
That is **7:21:09**
